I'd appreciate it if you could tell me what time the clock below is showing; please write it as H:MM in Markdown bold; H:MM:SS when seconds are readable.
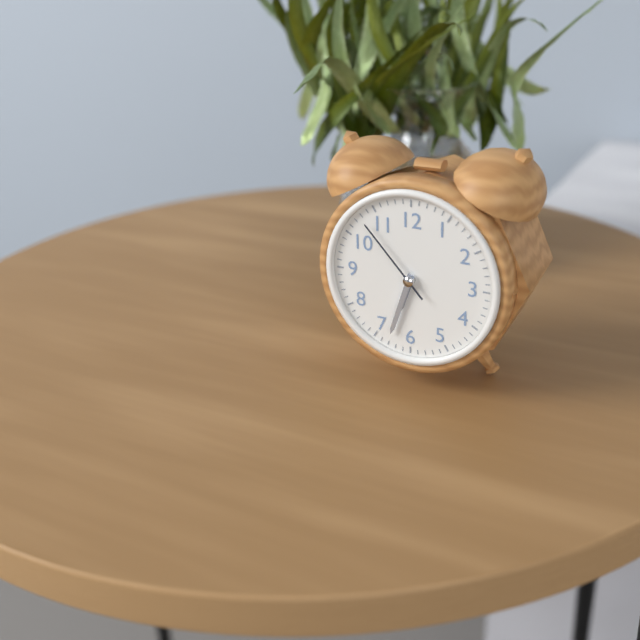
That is **6:33:53**
